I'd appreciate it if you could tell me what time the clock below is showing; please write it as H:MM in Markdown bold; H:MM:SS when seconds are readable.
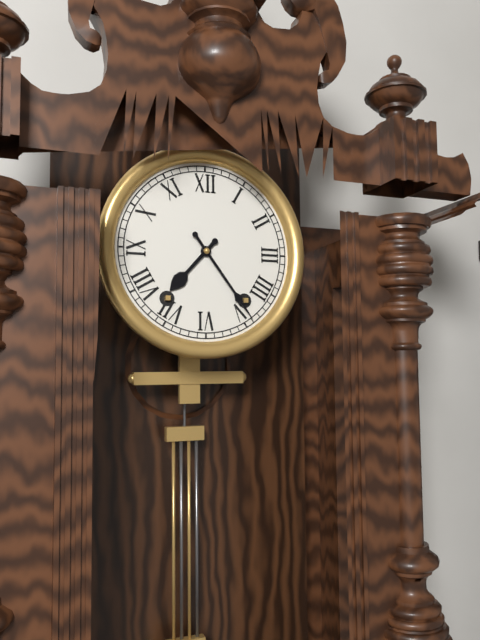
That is **7:24**
